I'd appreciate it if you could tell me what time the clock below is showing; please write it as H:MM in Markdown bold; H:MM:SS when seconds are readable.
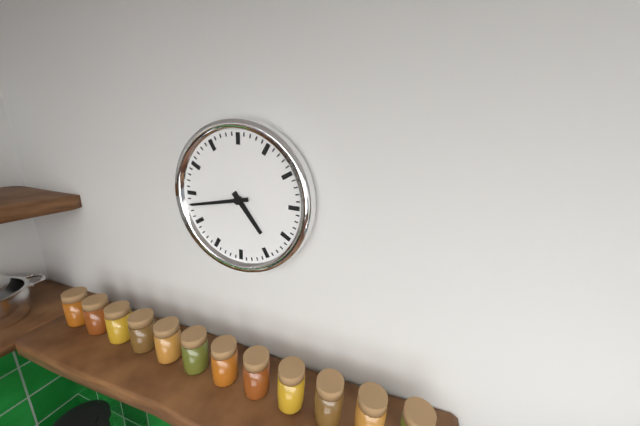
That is **4:43**
